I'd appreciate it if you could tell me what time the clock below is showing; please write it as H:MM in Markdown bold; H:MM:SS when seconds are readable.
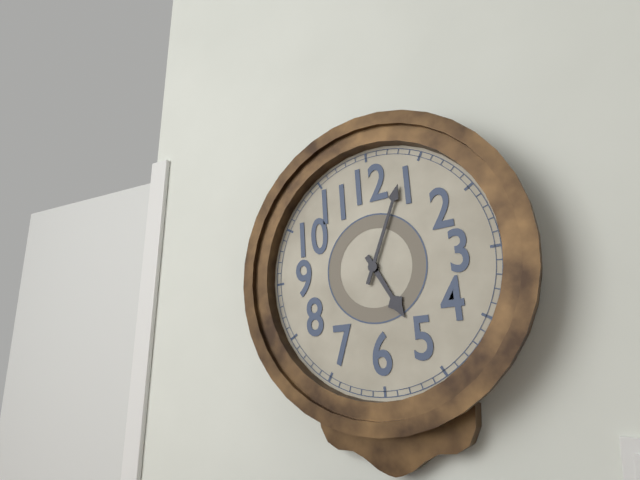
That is **5:04**
